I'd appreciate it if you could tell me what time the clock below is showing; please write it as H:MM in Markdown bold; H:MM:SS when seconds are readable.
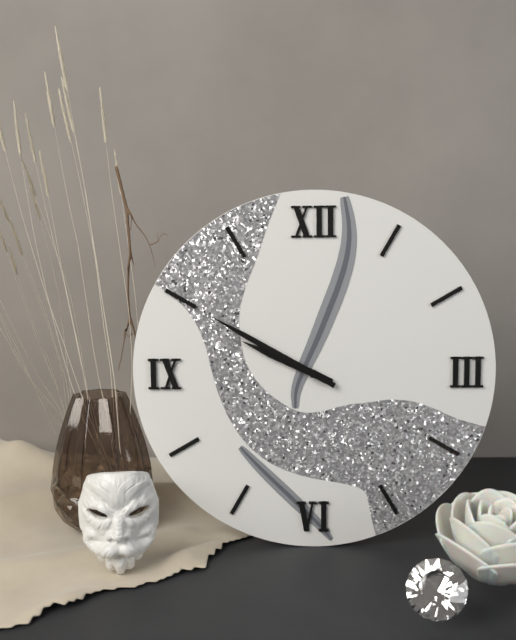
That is **9:50**
